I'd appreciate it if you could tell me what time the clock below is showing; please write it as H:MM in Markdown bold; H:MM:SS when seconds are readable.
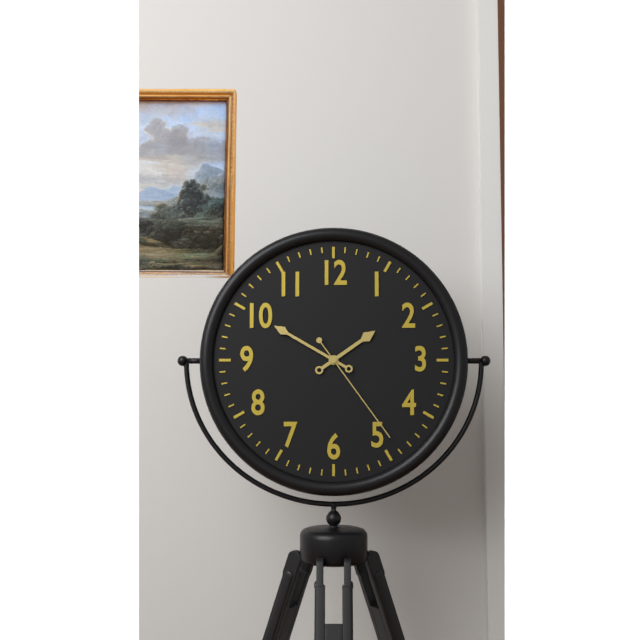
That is **1:50:24**
